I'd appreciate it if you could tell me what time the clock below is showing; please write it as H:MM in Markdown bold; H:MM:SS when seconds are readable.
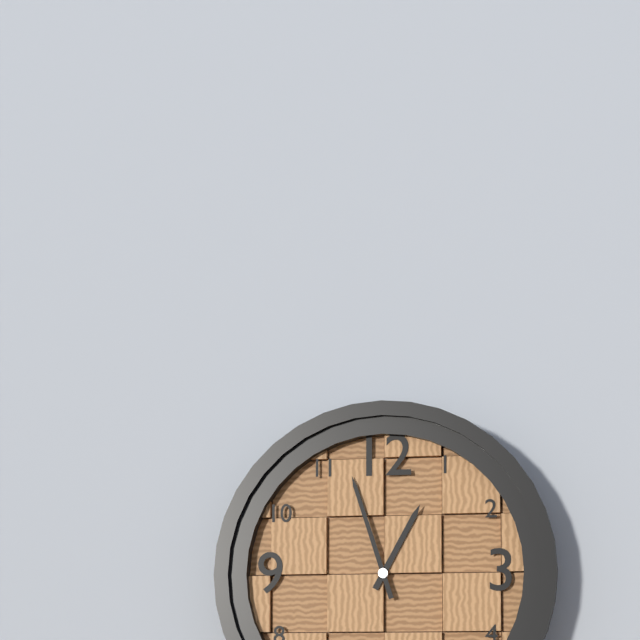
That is **12:57**
